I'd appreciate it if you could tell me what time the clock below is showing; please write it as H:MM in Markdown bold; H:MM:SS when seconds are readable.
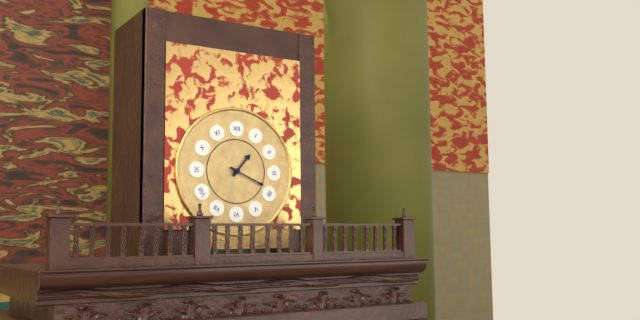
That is **1:19**
